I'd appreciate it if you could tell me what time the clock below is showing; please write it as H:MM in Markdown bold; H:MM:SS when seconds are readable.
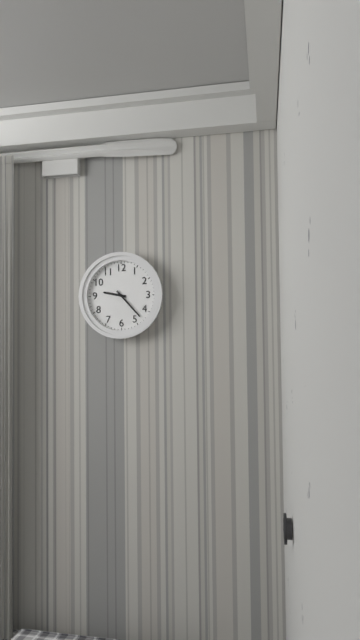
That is **9:23**
